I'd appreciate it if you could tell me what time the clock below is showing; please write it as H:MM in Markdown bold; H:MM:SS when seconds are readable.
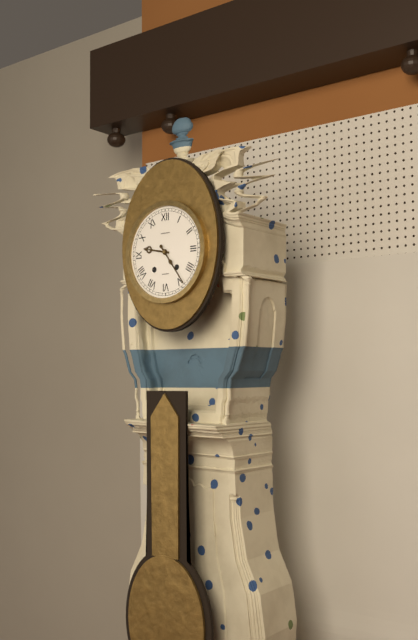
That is **9:24**
